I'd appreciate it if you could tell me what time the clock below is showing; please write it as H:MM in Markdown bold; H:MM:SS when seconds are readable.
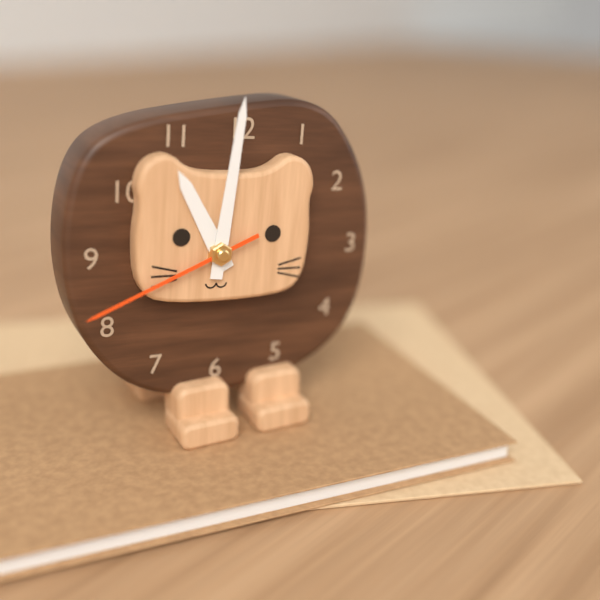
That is **11:01:41**
